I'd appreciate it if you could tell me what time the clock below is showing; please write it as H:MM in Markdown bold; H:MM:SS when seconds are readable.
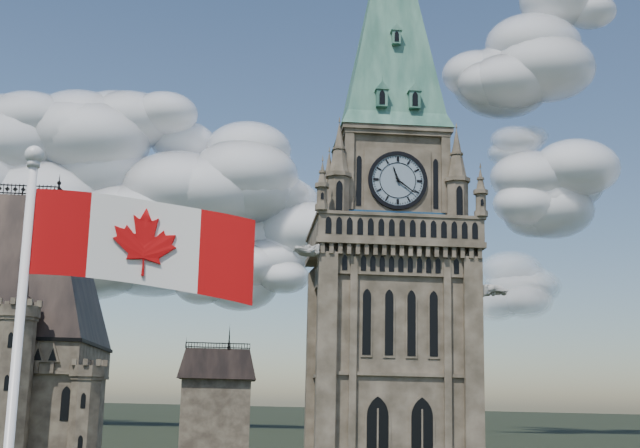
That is **11:21**
